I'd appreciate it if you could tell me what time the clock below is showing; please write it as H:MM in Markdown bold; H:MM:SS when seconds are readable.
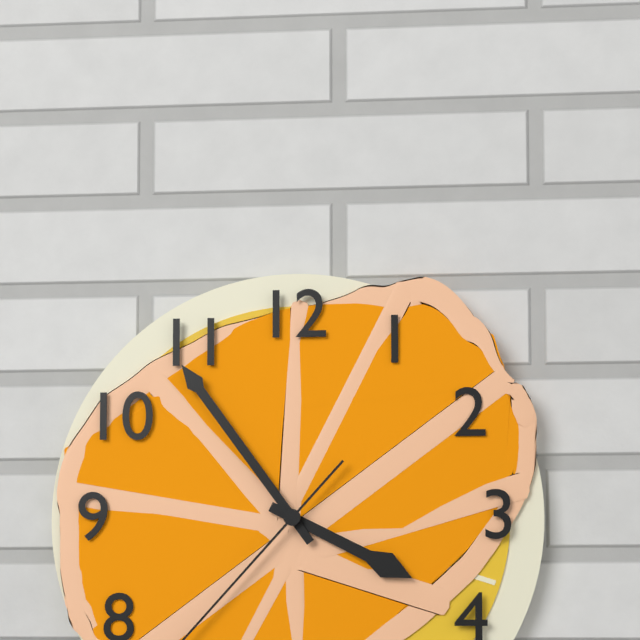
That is **3:54**
